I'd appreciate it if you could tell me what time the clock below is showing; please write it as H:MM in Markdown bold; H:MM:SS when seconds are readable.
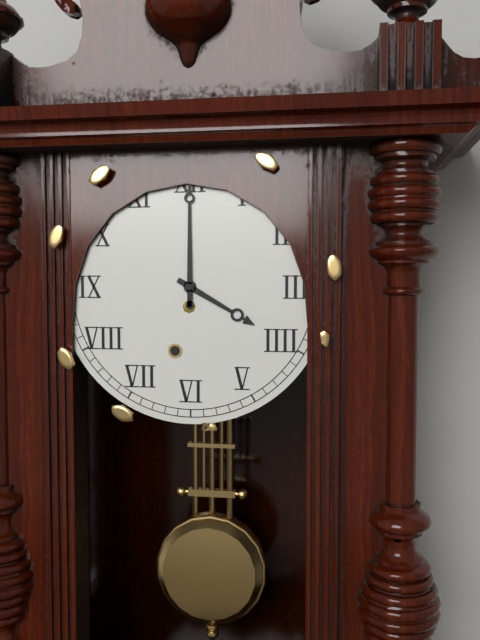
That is **4:00**
